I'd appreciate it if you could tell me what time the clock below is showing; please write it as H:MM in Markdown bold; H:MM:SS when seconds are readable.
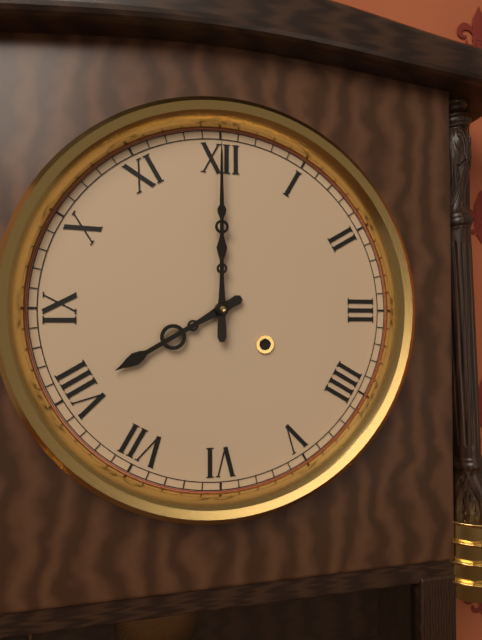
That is **8:00**
